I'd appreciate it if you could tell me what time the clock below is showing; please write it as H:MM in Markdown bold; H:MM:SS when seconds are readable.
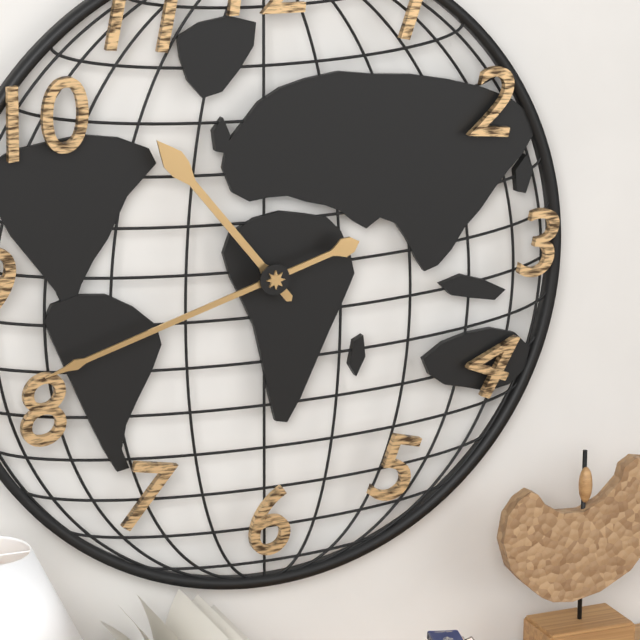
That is **10:42**
